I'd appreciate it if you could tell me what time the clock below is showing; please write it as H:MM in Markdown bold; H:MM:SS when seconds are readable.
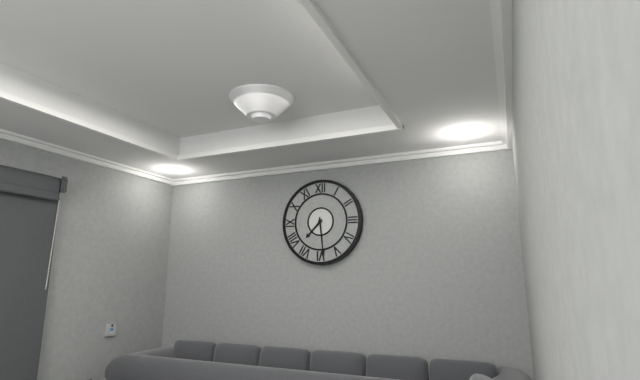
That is **7:29**
